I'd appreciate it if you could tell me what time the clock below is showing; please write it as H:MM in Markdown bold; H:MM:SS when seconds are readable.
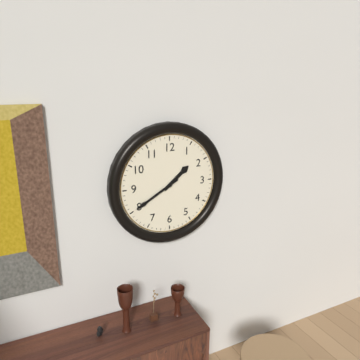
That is **1:40**
